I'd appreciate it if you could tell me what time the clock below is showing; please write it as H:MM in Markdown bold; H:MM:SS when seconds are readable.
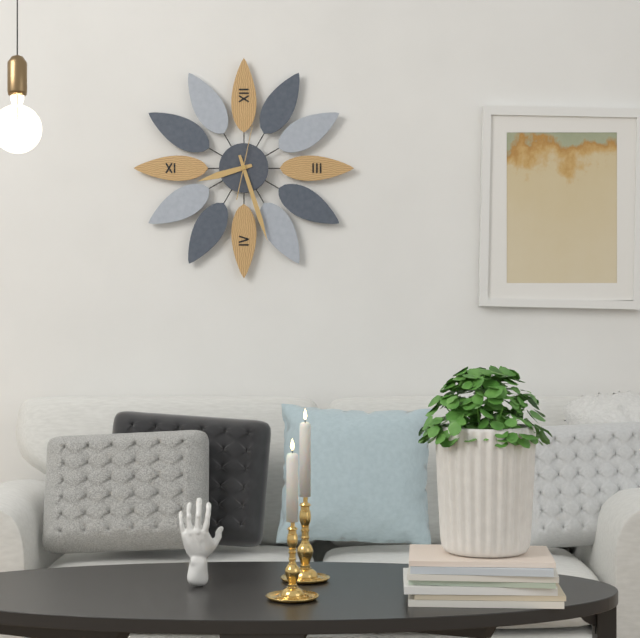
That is **8:27:02**
